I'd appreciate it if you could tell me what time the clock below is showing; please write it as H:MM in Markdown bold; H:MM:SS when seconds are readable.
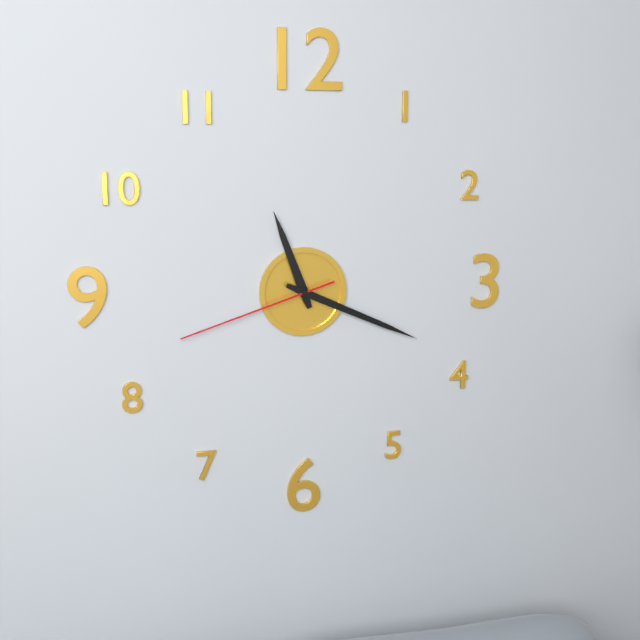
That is **11:19:42**
